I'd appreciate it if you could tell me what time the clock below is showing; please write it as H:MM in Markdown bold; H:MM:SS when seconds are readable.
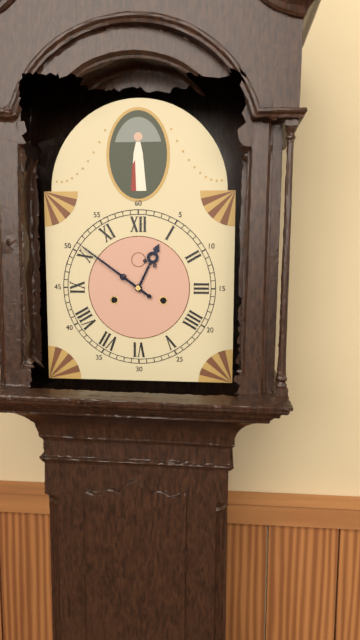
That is **12:51**
